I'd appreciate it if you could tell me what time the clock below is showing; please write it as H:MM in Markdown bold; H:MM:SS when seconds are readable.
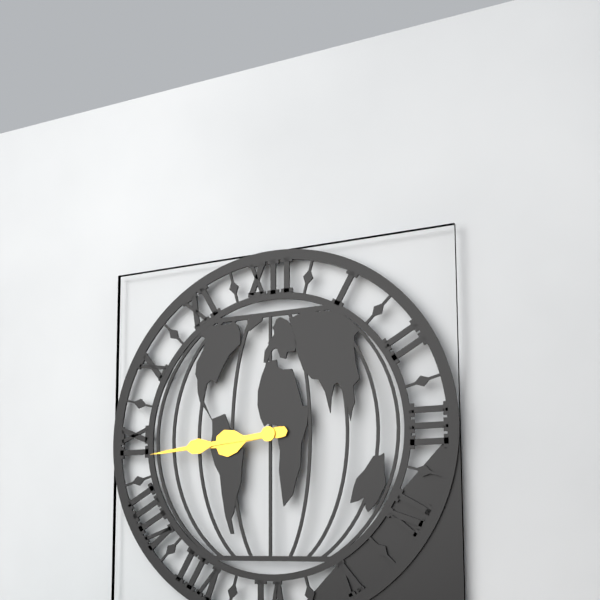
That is **8:44**
